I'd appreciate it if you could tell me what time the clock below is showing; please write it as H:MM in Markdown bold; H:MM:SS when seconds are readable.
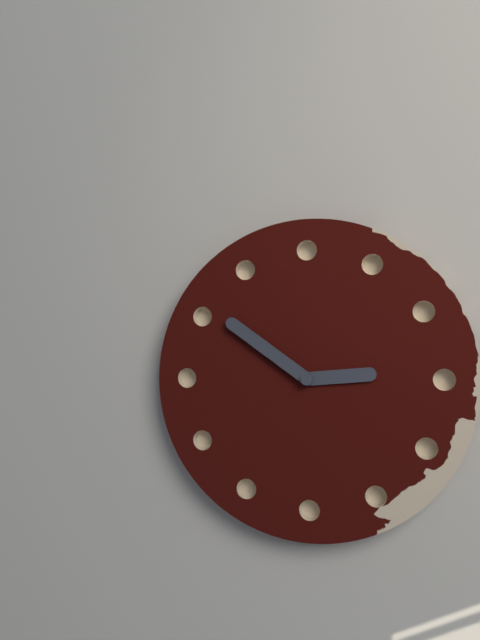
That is **2:51**
